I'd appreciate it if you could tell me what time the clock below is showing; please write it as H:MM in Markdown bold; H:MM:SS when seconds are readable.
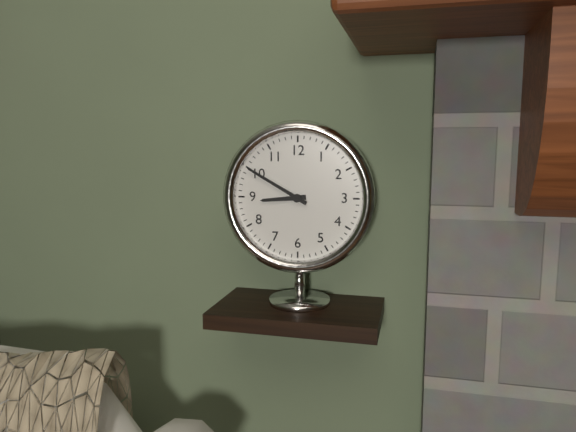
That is **8:50**
